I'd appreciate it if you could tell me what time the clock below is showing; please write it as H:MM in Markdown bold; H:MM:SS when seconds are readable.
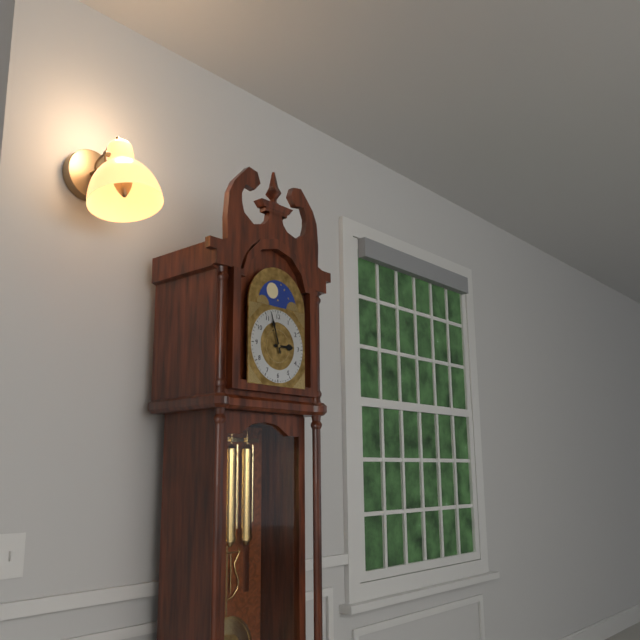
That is **2:57**
